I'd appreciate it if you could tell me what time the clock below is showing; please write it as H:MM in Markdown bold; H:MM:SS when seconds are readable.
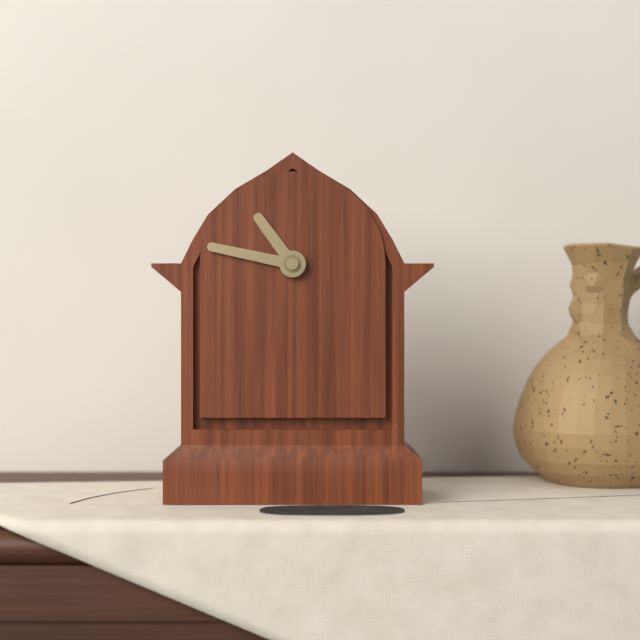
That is **10:47**
